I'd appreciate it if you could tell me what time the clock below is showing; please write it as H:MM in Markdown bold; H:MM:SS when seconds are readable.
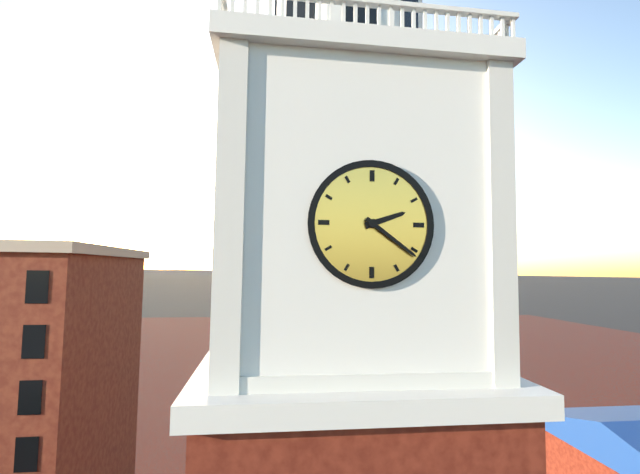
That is **2:21**
